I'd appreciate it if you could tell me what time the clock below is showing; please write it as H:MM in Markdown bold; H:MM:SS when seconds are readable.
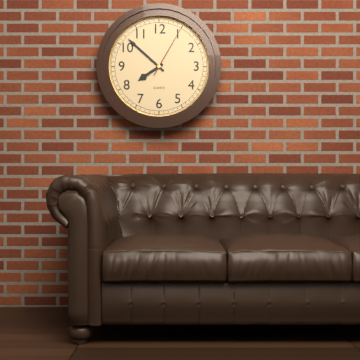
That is **7:52:05**
